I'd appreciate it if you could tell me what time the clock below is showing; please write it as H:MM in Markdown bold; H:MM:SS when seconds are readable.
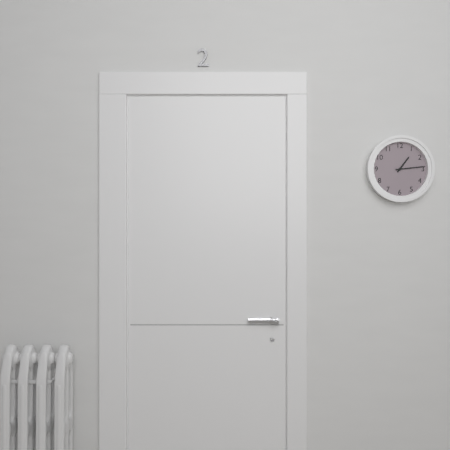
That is **1:14**
